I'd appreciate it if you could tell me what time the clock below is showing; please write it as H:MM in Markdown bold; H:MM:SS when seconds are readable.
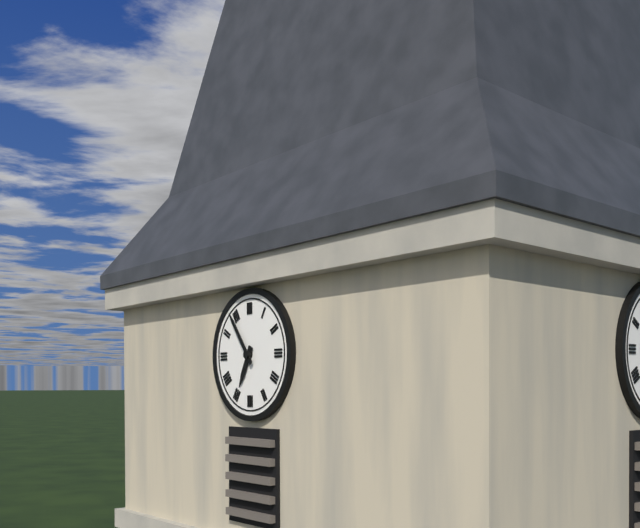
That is **6:54**
